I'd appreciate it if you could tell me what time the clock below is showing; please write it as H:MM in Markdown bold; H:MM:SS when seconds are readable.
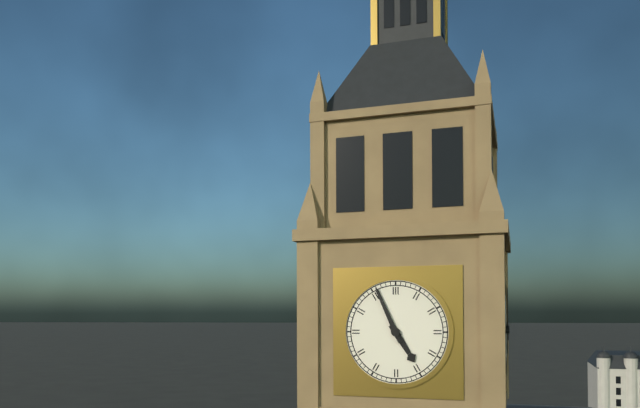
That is **4:56**
